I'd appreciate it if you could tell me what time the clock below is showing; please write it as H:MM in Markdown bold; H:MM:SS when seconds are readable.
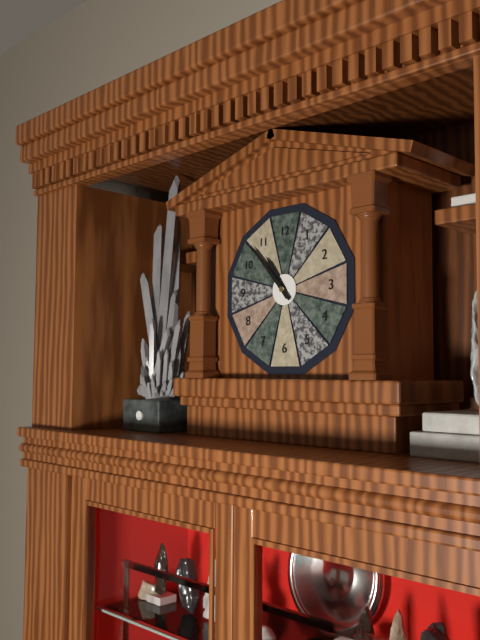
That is **10:53**
